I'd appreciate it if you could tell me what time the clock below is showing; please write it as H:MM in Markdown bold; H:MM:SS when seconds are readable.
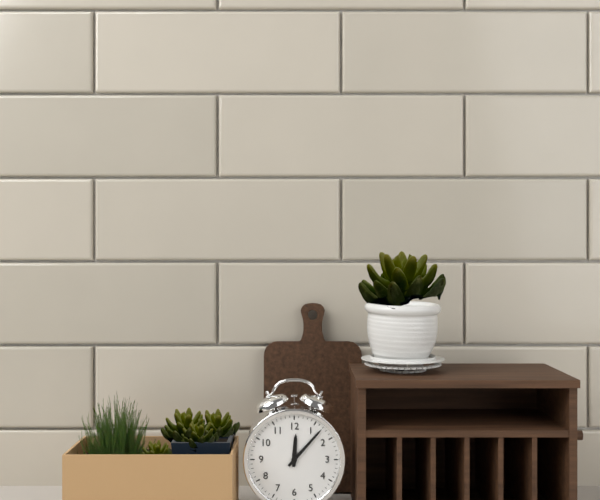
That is **12:07**
